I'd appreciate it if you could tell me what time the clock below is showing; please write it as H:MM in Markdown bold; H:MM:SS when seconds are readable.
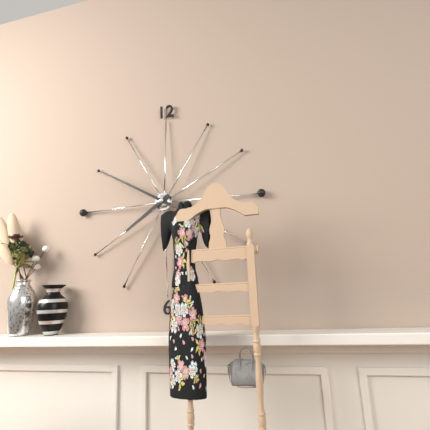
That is **7:50**
